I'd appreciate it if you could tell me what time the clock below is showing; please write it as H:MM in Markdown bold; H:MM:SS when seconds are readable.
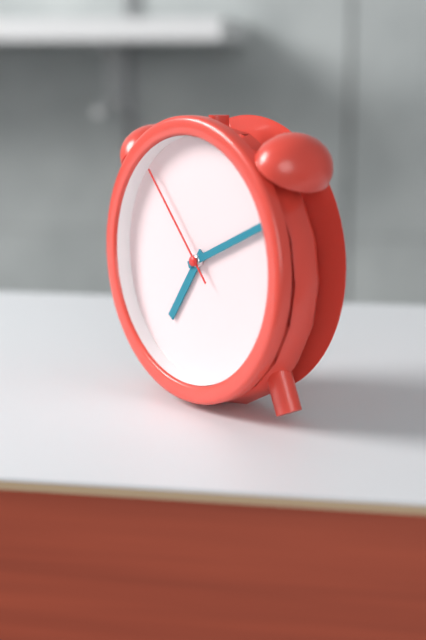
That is **7:11:53**
